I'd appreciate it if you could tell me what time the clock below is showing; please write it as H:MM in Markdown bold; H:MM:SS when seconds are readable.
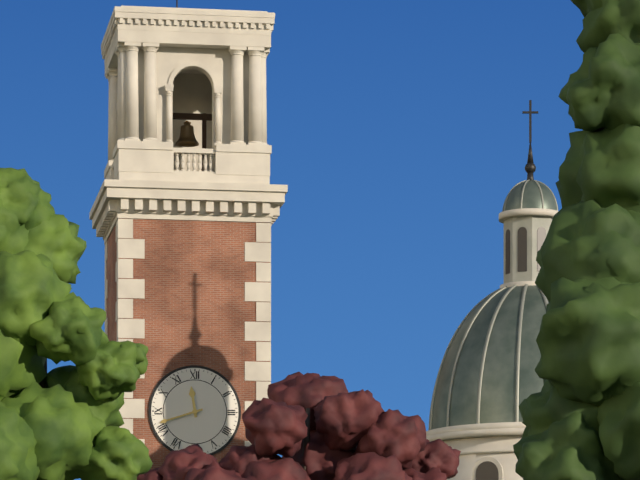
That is **11:42**
